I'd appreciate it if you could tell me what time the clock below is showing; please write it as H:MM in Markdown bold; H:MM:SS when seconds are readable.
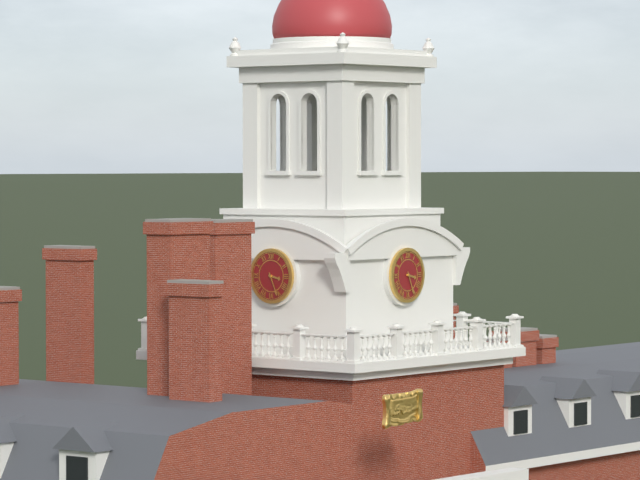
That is **3:26**
